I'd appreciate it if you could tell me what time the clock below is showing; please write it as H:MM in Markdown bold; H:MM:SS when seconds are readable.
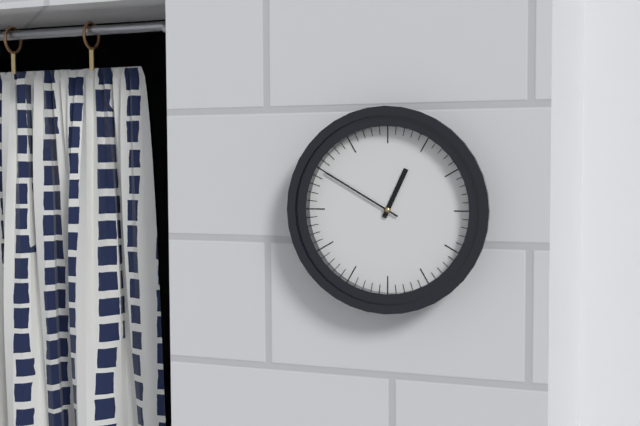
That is **12:50**
